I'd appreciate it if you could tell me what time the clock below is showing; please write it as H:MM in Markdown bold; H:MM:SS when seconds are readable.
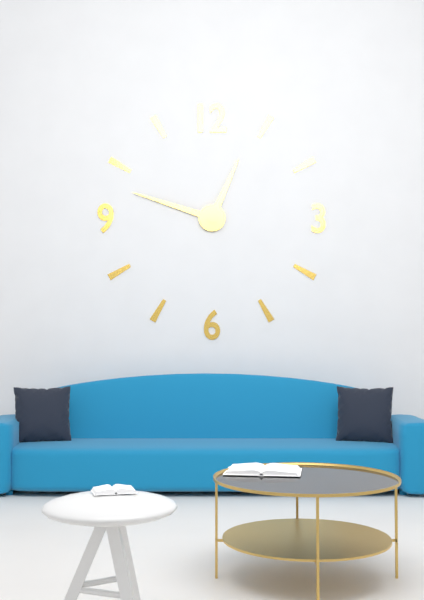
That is **12:48**
